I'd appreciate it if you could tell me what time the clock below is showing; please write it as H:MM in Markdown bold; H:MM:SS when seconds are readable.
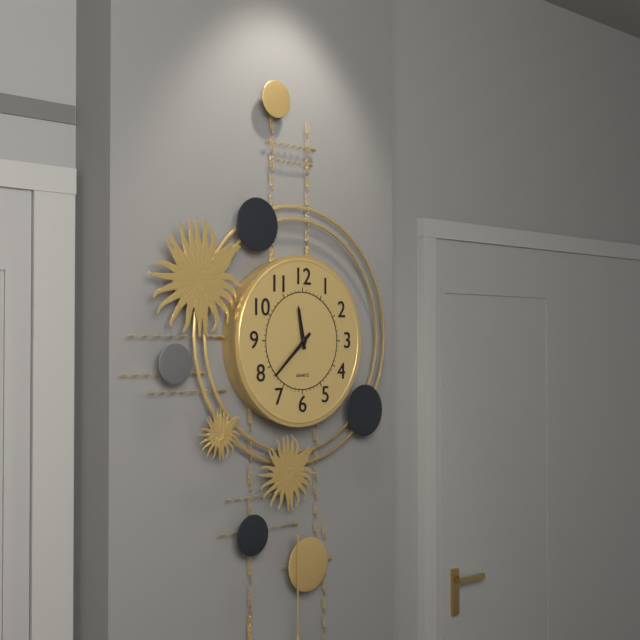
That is **11:38**
